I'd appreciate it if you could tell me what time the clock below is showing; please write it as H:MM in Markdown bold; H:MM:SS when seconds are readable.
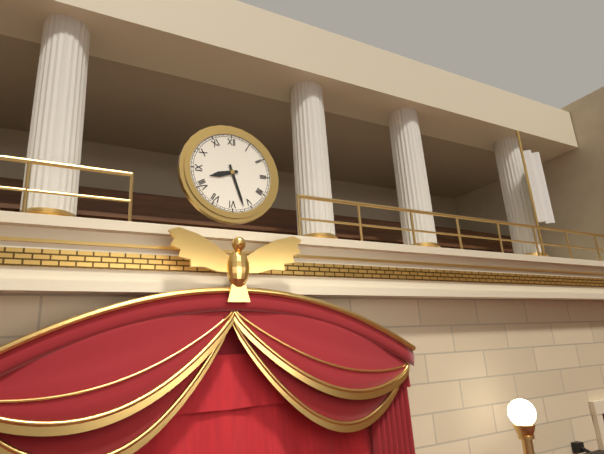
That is **8:27**
